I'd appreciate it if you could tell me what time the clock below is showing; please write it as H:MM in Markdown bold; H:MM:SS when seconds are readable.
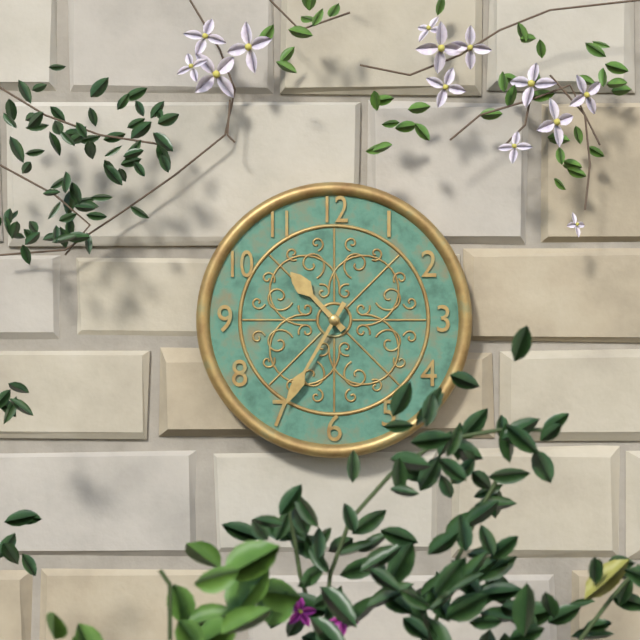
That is **10:35**
